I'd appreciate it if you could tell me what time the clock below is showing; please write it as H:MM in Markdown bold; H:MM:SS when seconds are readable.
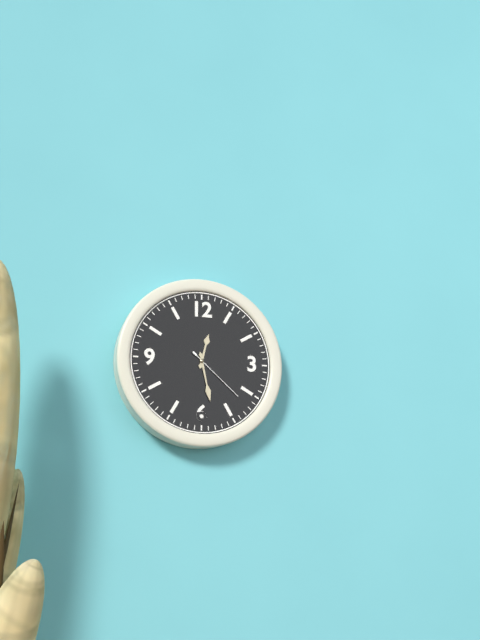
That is **12:28:22**
